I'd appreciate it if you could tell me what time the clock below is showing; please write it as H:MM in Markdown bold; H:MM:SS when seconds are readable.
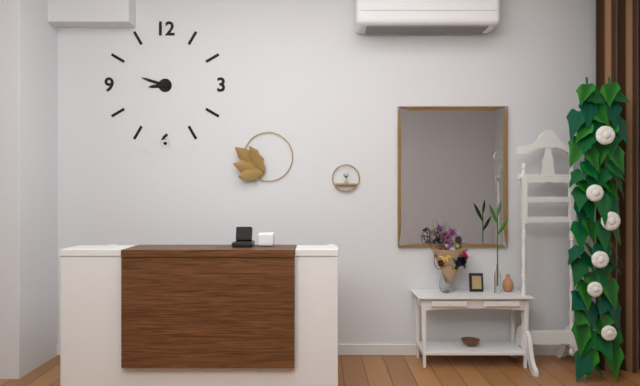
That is **8:48**
